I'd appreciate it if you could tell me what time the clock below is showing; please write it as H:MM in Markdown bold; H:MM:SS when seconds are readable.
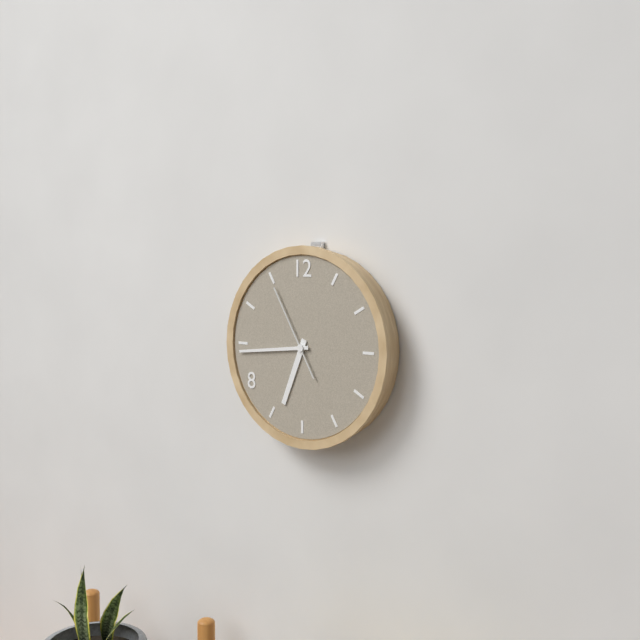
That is **6:44:55**
